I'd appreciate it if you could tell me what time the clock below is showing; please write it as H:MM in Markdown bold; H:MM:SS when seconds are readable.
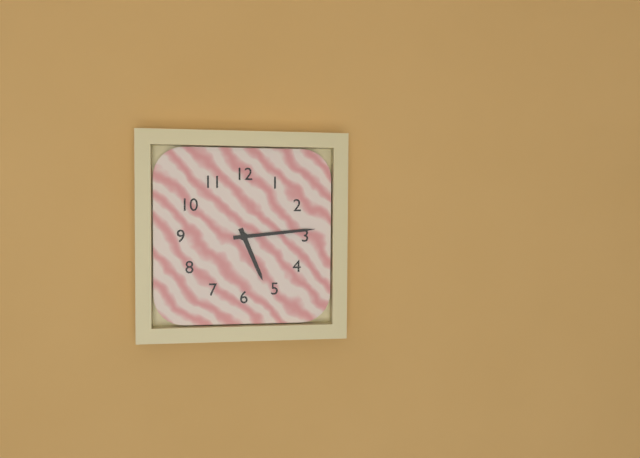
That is **5:14**
